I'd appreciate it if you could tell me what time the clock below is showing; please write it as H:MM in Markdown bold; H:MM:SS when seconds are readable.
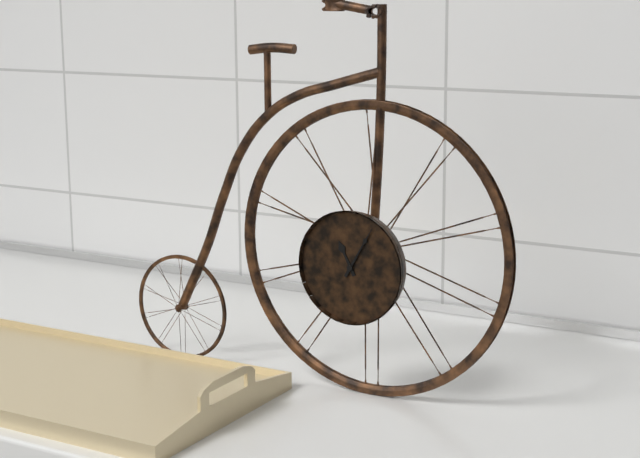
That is **11:05**
